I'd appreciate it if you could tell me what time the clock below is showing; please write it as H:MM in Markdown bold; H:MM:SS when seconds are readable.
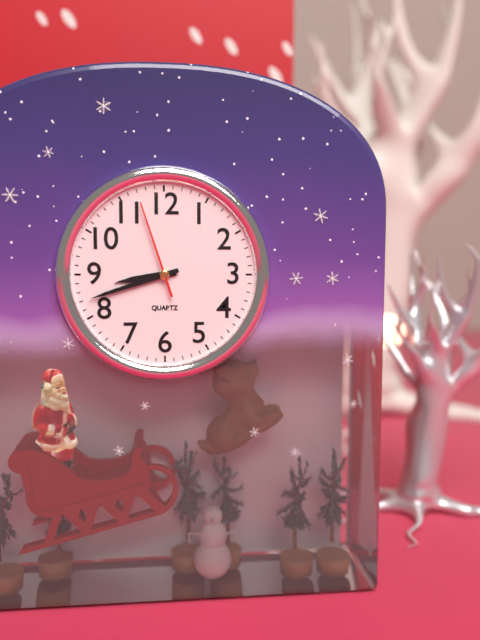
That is **8:42:57**
